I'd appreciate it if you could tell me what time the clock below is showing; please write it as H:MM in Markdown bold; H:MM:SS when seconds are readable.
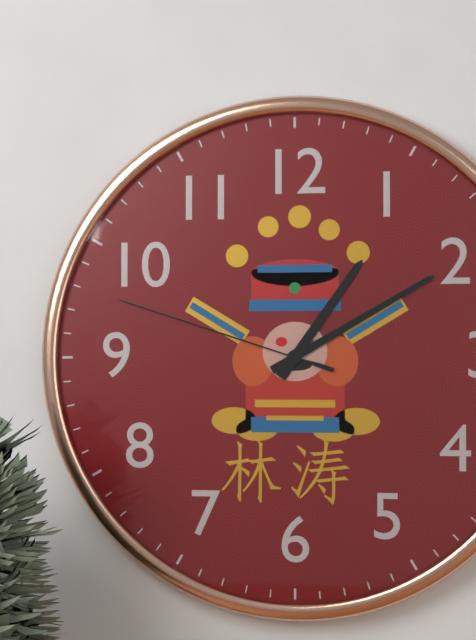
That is **1:10:48**
